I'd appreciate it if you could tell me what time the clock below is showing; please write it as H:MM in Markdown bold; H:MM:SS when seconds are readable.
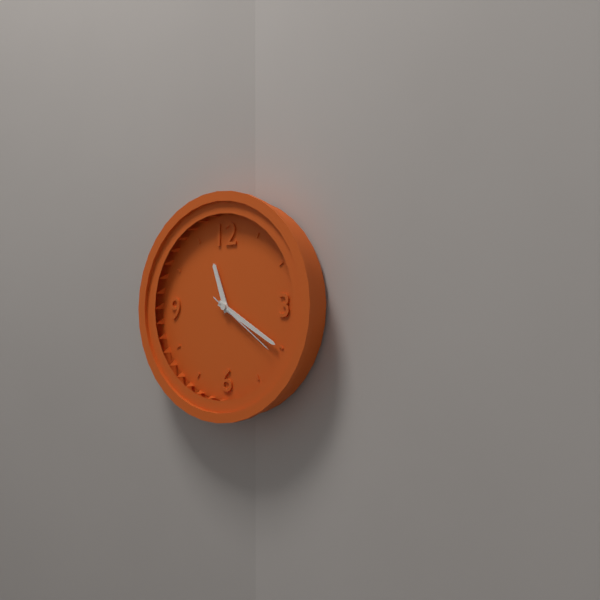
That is **11:20:21**
